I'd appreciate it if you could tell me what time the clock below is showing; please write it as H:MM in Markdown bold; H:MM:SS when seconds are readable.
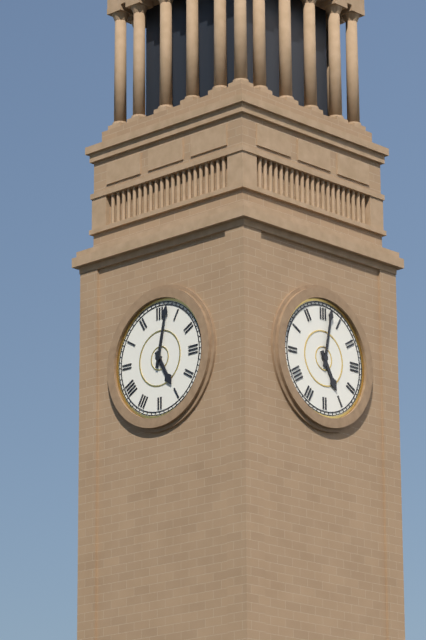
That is **5:02**
